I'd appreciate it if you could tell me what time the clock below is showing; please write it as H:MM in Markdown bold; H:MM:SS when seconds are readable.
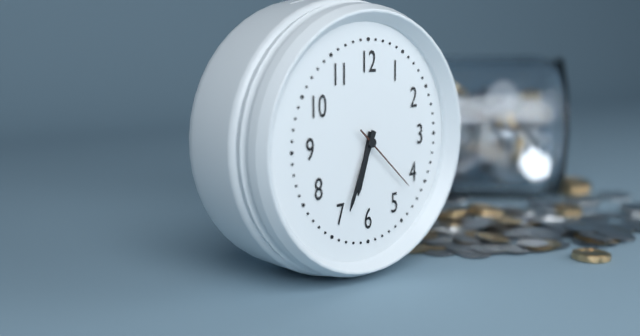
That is **6:34:22**
